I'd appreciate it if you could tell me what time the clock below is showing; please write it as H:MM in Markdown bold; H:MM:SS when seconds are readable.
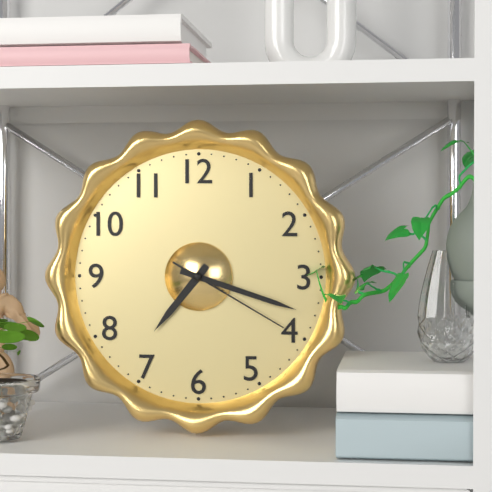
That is **7:18:20**
